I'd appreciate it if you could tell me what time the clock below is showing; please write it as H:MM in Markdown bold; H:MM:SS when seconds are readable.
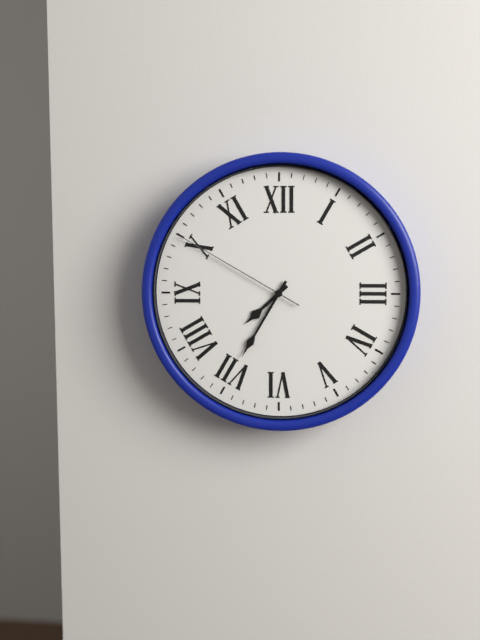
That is **7:35:50**
